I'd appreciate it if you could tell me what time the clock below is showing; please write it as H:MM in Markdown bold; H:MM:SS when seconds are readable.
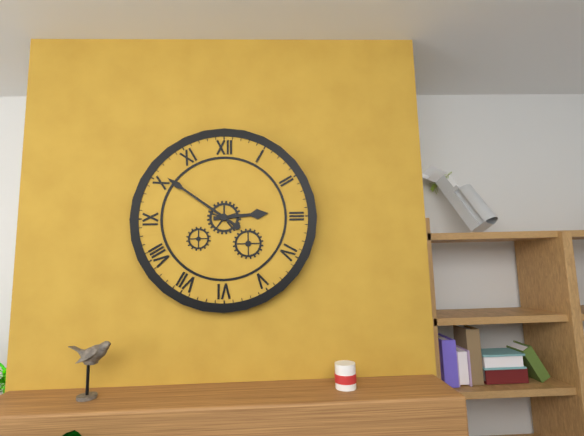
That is **2:51**
